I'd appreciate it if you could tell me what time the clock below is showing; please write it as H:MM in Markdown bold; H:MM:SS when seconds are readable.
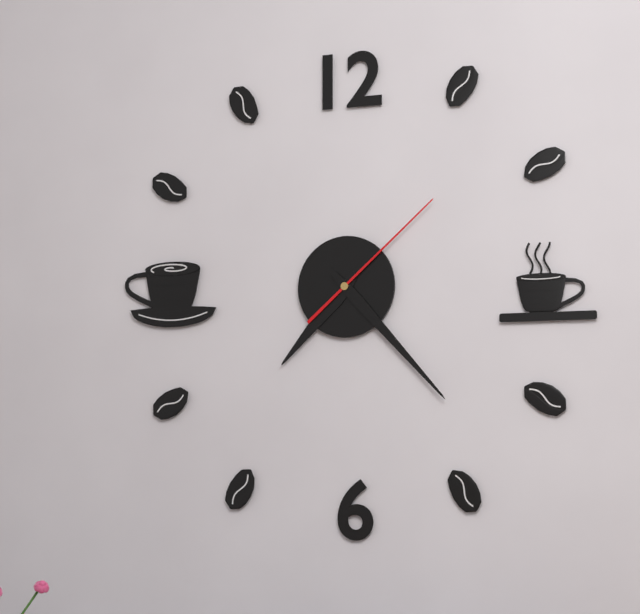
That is **7:23:08**
